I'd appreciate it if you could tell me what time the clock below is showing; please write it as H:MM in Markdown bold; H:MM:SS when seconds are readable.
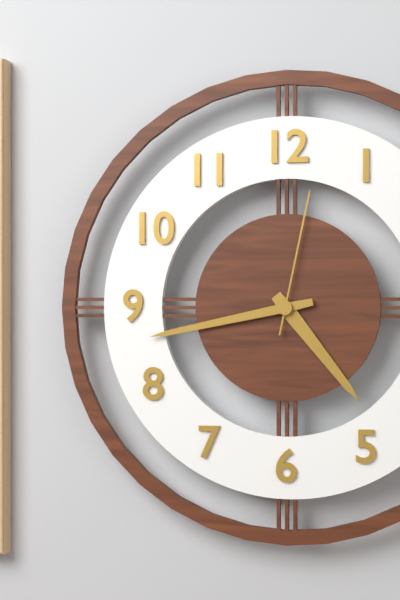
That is **4:43:02**
